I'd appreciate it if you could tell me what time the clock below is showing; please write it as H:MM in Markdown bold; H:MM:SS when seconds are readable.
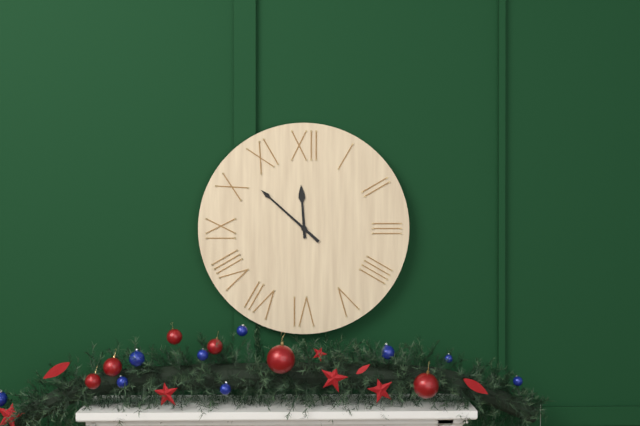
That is **11:52**
